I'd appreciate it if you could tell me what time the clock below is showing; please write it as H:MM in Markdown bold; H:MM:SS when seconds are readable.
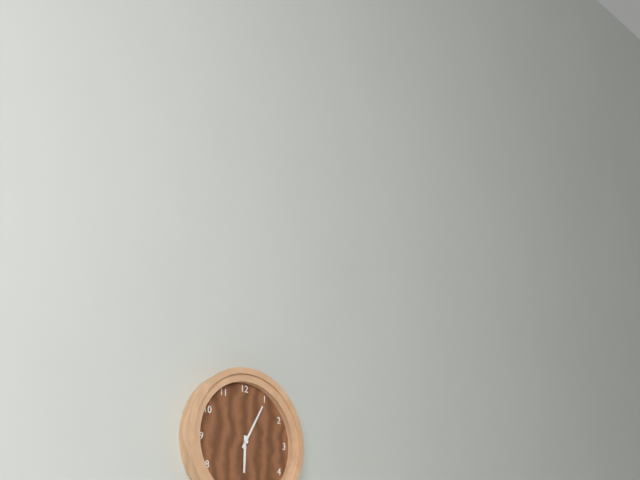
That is **6:05**
